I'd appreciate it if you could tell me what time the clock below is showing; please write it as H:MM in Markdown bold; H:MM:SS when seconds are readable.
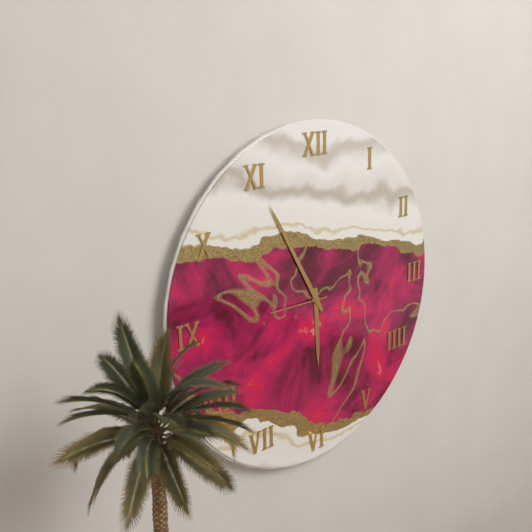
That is **5:55:45**
